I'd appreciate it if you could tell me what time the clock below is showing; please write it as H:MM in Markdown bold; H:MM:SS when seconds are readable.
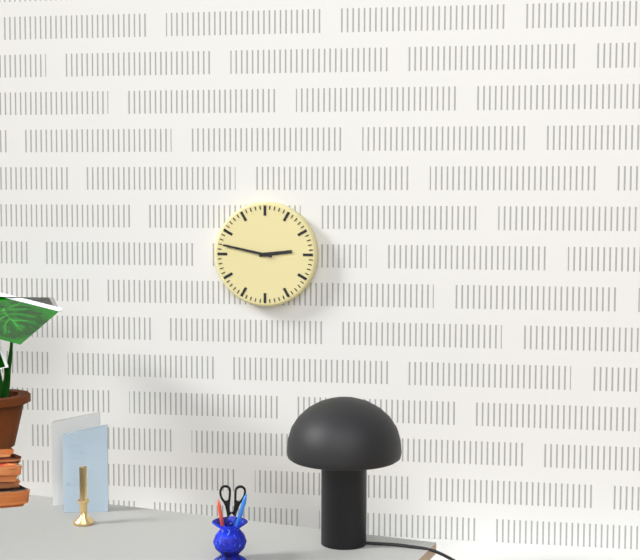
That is **2:47**
